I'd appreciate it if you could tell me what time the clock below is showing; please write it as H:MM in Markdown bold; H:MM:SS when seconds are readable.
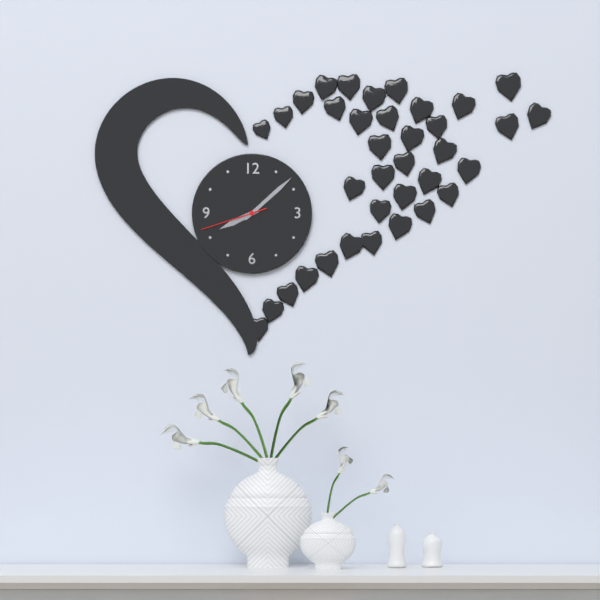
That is **8:08:42**
